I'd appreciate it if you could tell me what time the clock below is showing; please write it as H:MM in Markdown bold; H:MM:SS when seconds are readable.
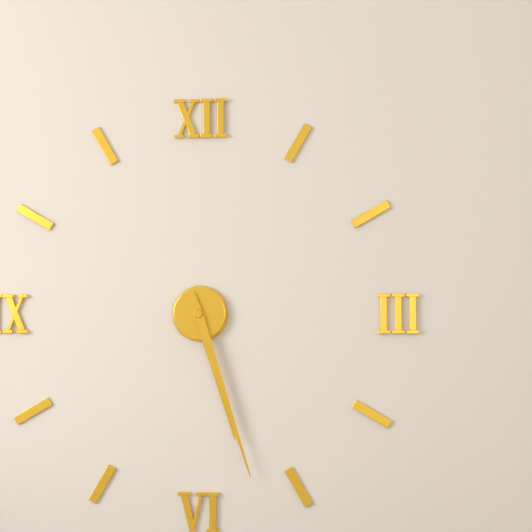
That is **5:27**
